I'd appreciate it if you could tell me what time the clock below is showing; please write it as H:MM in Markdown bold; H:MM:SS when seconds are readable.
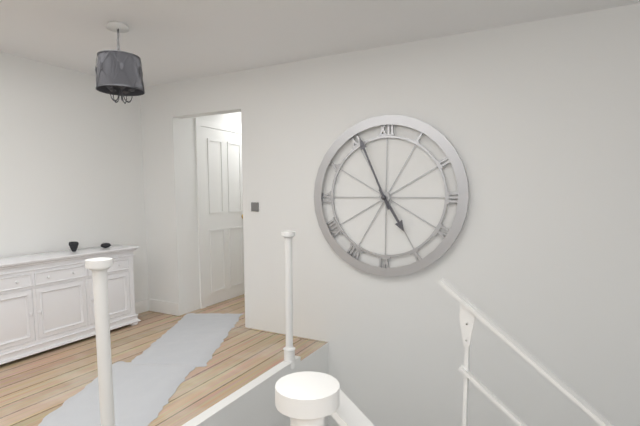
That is **4:56**
